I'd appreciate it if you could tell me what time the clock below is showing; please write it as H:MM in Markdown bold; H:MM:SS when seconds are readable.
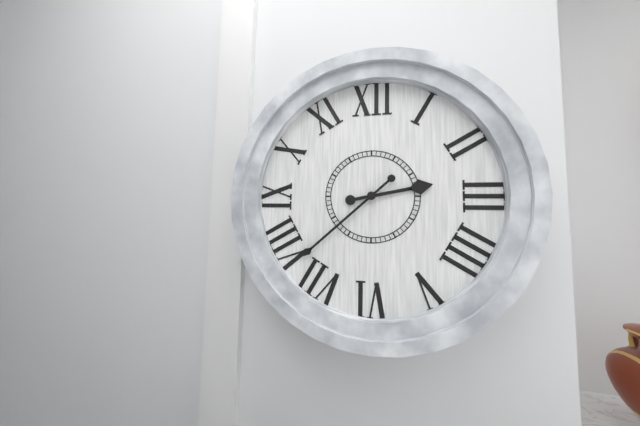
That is **2:38**
